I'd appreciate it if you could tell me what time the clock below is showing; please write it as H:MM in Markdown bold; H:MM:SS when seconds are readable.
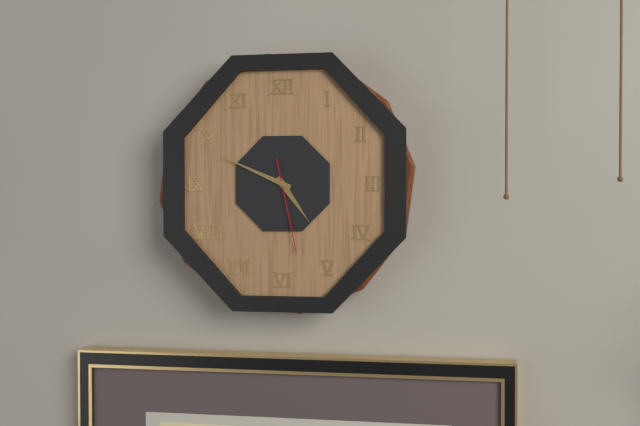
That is **4:49:28**
